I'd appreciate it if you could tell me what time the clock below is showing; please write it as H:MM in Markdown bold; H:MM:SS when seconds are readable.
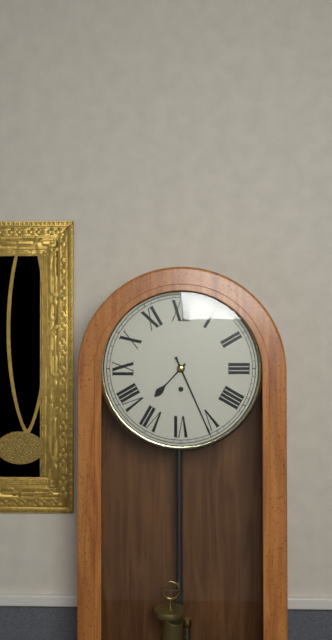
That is **7:26**
